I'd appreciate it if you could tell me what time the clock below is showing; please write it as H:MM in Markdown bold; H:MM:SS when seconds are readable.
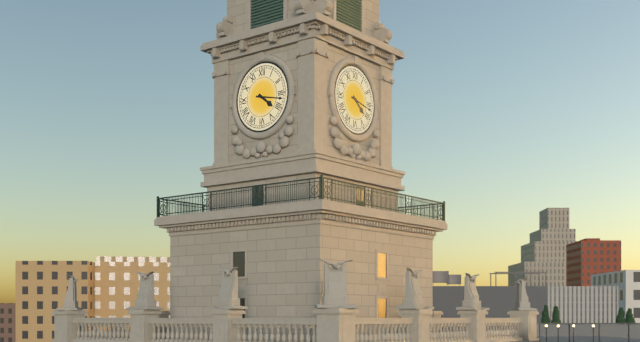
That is **4:17**
